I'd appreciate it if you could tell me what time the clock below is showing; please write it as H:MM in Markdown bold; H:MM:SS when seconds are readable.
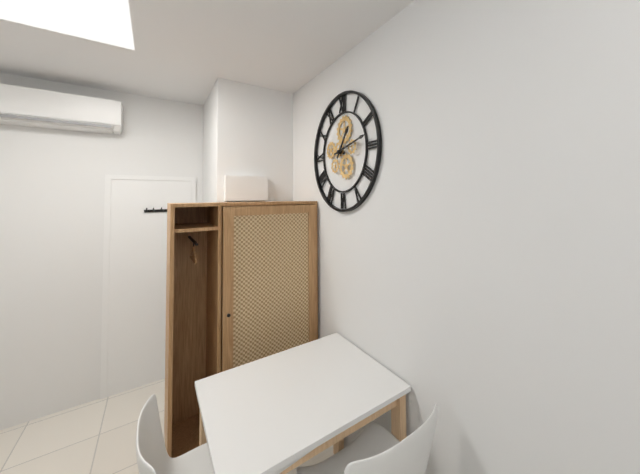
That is **1:13**
